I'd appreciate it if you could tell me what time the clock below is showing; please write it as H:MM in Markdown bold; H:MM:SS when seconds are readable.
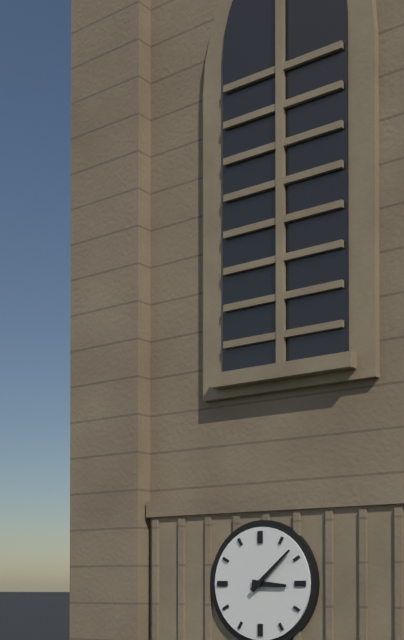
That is **3:08**
